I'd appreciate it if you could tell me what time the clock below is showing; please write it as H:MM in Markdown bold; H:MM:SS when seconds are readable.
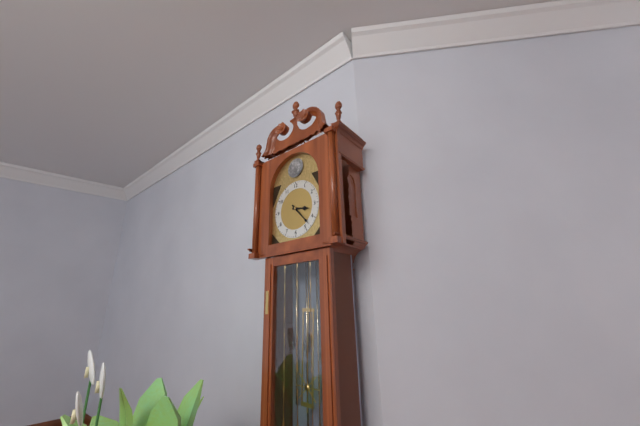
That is **3:23**
